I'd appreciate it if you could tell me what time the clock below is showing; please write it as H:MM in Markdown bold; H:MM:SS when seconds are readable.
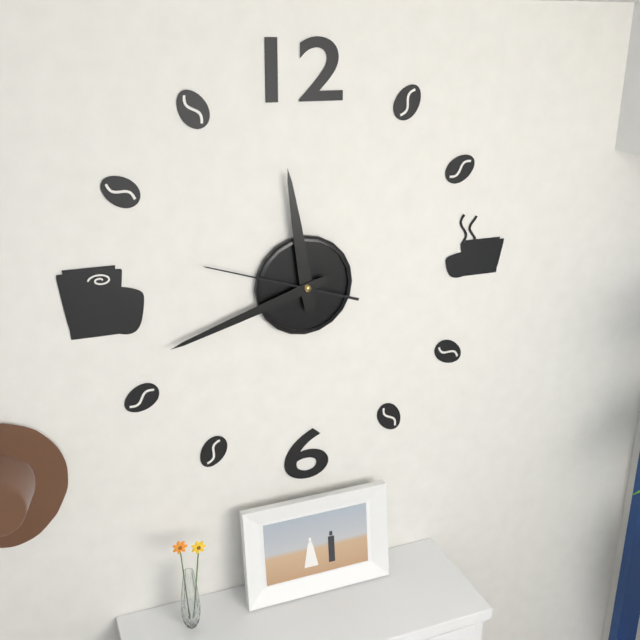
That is **11:42:48**
